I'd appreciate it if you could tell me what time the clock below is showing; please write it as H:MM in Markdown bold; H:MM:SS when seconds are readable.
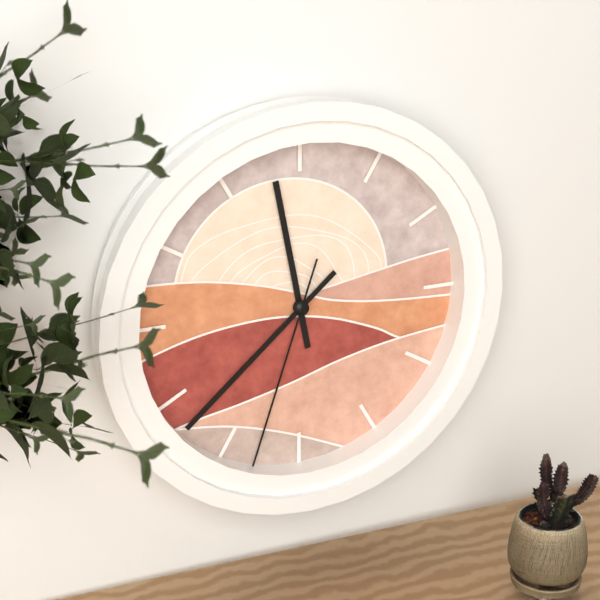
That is **11:38:33**
